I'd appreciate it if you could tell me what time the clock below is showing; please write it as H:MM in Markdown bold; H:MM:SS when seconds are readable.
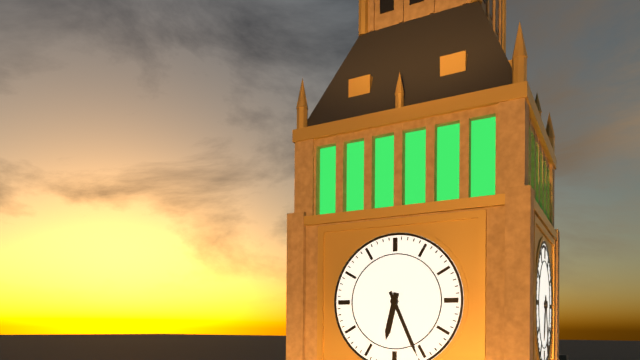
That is **6:26**
